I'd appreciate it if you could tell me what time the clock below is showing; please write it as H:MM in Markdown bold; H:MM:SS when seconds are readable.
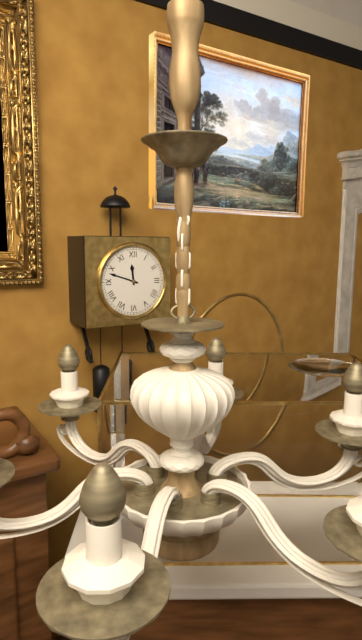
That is **11:48**
